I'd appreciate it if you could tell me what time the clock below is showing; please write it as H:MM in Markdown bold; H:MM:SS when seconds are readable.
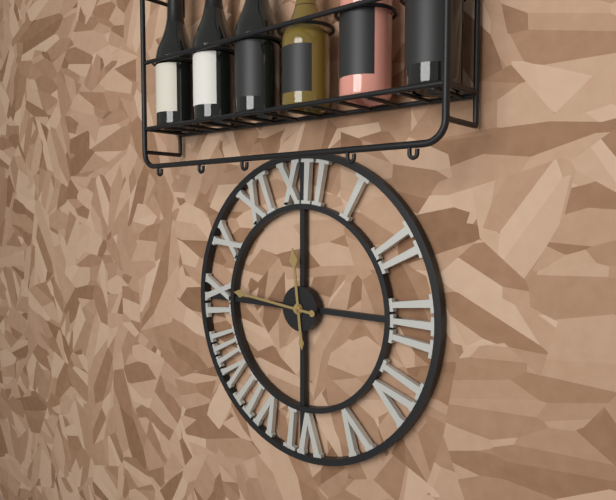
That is **11:46**
